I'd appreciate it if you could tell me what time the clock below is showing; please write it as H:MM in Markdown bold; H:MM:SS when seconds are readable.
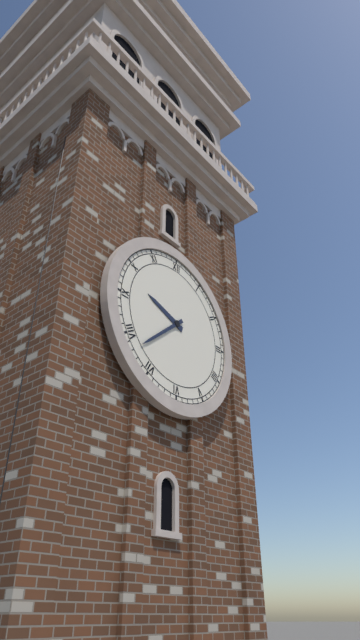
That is **9:38**
